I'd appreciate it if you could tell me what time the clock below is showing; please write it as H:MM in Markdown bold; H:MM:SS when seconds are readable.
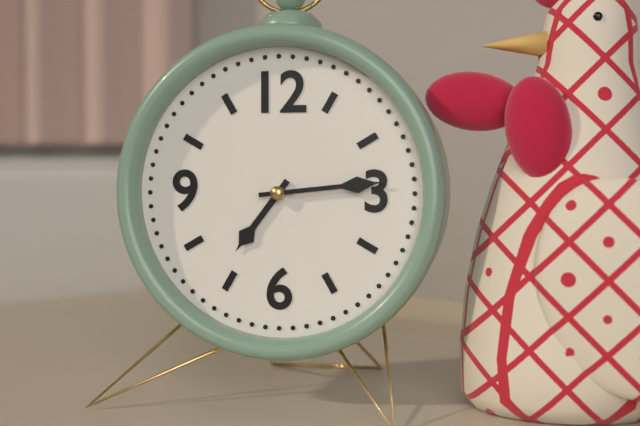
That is **7:14**
